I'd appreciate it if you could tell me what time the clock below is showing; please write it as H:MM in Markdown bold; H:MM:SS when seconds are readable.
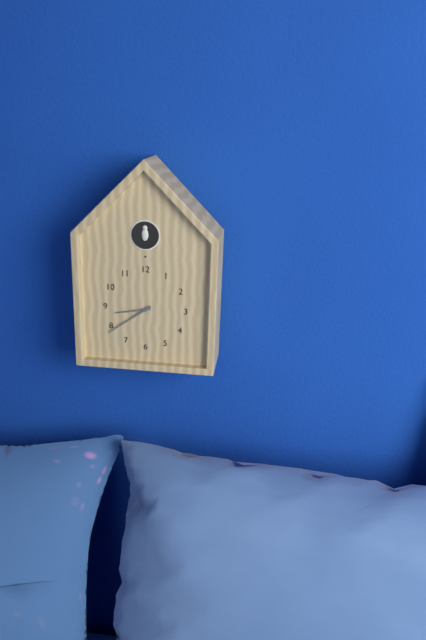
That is **8:39**
